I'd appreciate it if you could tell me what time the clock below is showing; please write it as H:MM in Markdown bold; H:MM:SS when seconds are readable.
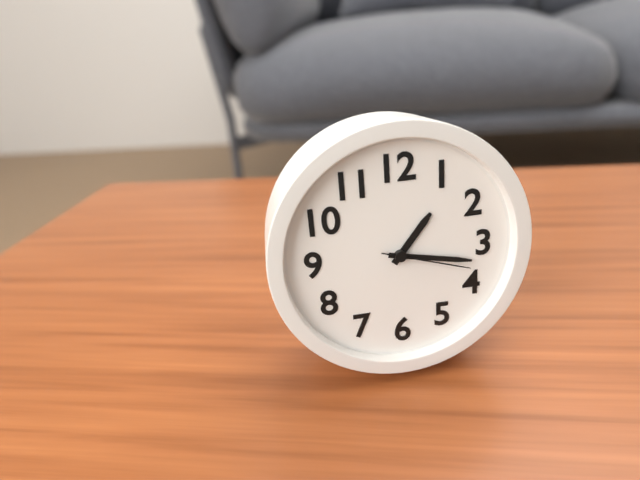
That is **1:17:18**
